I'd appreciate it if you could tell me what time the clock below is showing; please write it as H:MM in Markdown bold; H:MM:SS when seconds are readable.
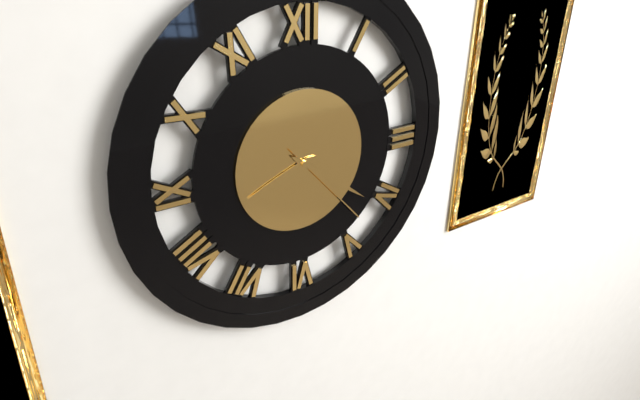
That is **8:21:23**
